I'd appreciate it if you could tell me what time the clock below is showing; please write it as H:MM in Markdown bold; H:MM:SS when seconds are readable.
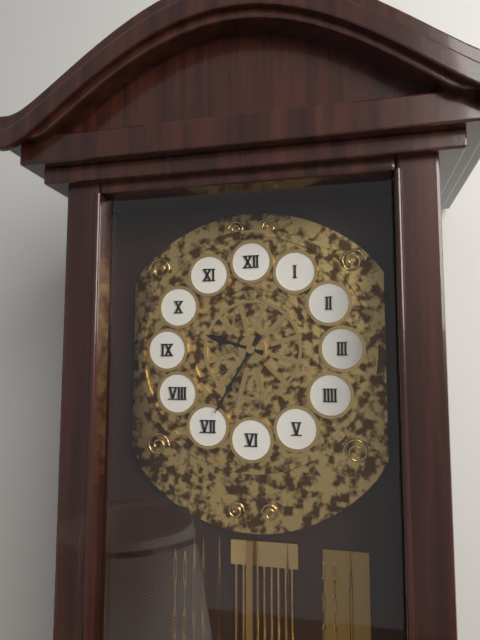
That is **9:35**
